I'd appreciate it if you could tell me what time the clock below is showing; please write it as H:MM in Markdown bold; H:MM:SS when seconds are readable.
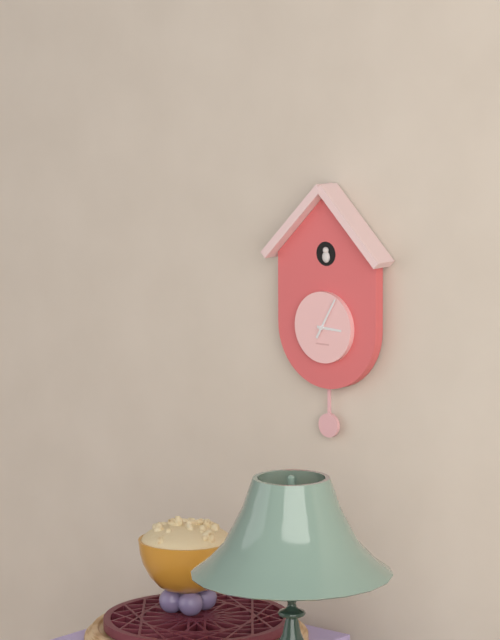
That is **3:05**
